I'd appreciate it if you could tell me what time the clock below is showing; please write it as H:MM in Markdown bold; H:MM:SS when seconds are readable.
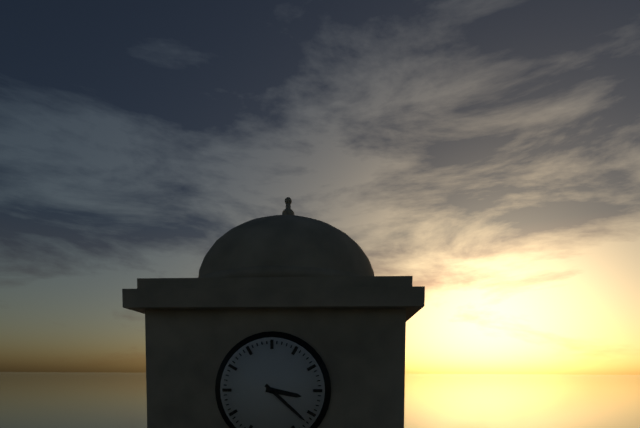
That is **3:22**
